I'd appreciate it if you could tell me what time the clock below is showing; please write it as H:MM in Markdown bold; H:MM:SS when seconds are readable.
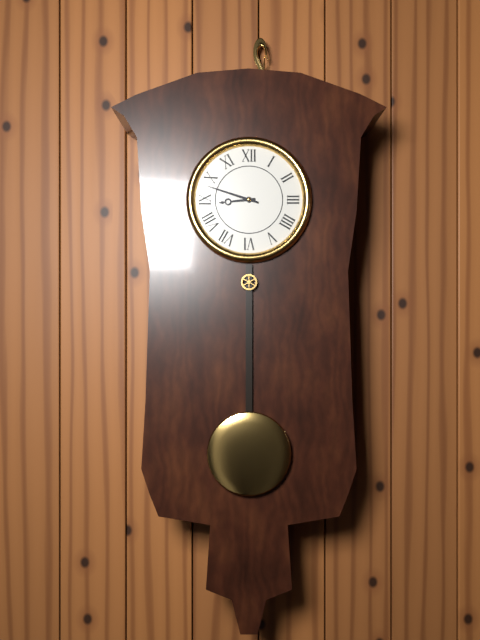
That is **8:48**
